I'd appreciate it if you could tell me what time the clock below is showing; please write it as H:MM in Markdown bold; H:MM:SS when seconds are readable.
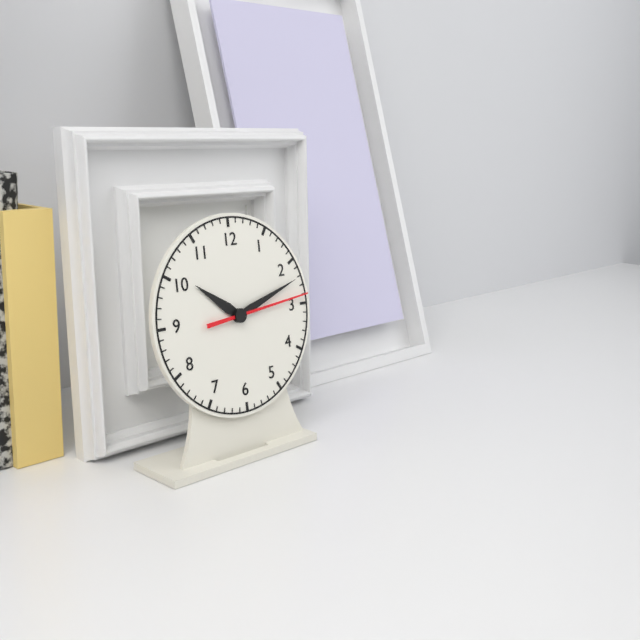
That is **10:12:14**
